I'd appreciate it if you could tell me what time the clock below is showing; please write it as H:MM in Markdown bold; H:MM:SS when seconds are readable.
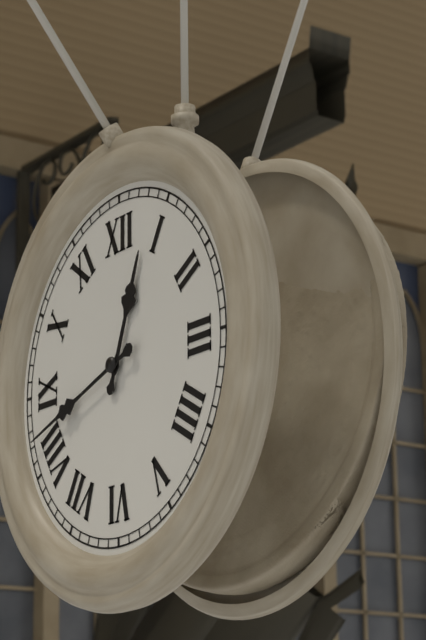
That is **12:42**
